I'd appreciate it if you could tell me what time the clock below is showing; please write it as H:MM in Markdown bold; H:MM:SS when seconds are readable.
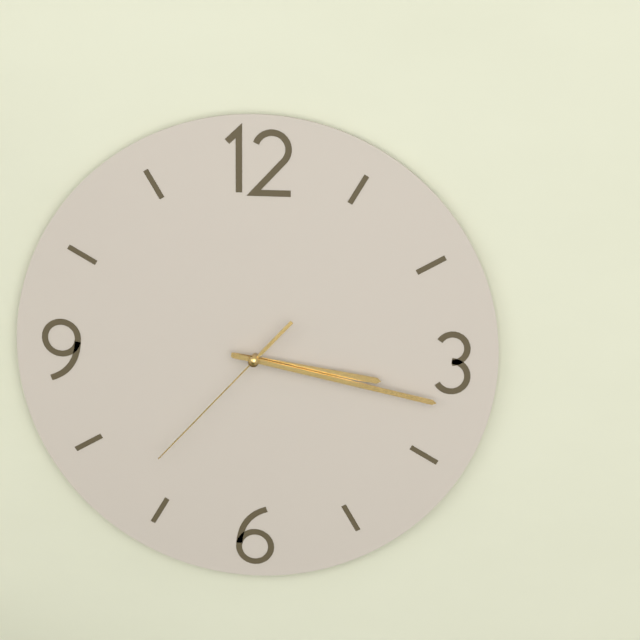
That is **3:17:37**
